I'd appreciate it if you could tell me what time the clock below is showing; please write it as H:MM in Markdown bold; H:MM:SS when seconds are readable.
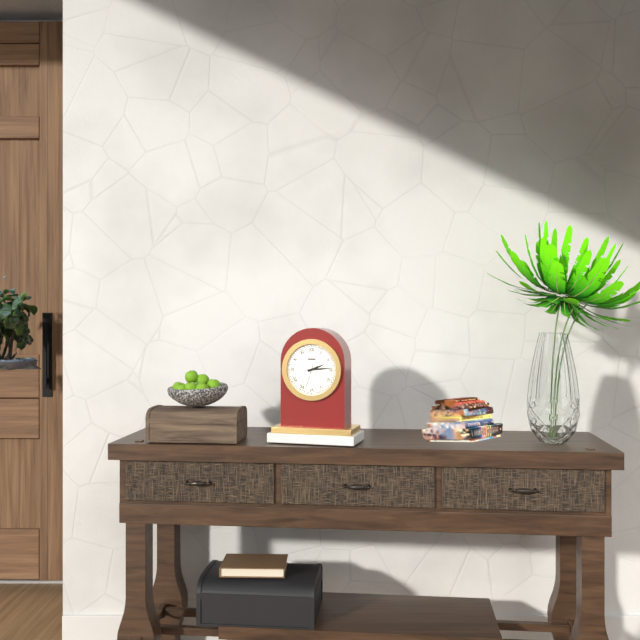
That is **2:14**
